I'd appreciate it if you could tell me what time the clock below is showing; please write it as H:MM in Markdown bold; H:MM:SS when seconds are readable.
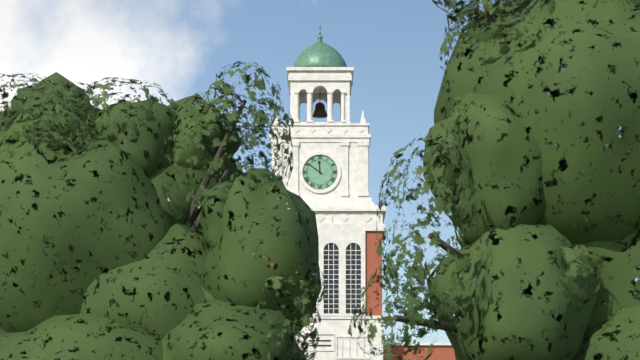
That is **11:51**
